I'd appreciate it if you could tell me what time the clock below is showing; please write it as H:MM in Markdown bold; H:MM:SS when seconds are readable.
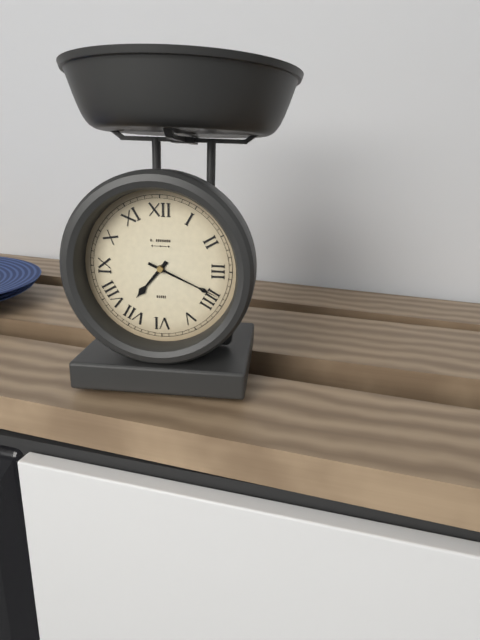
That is **7:19**
